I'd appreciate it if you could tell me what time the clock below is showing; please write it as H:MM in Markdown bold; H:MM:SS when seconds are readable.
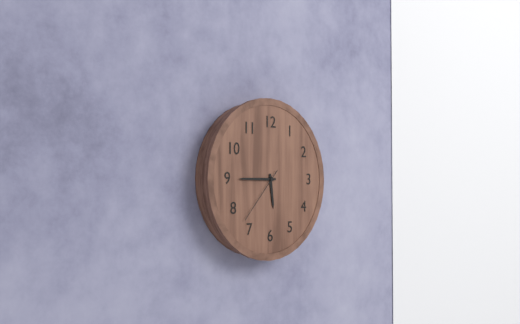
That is **5:45:37**
